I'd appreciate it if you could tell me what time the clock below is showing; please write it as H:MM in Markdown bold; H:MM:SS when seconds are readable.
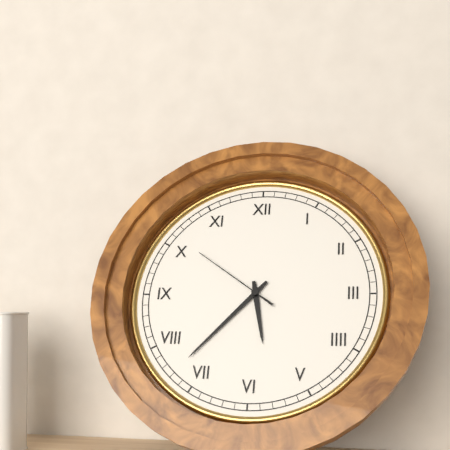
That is **5:37:51**
